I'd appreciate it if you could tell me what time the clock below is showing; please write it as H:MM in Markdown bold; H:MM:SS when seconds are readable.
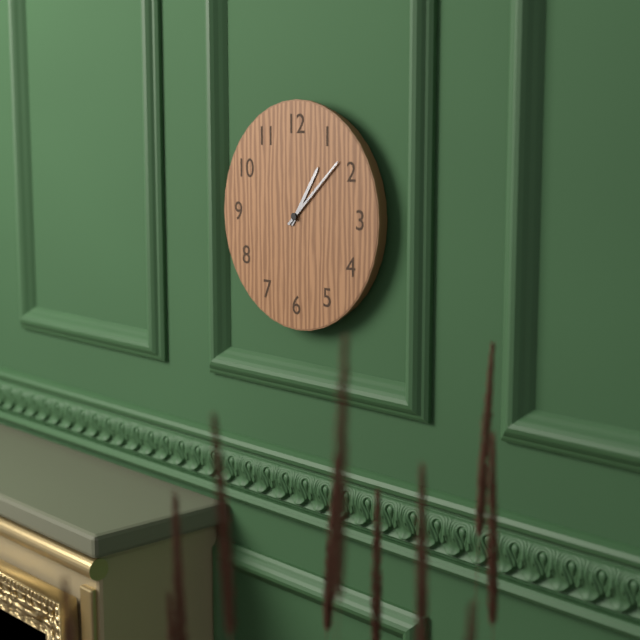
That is **1:08**
